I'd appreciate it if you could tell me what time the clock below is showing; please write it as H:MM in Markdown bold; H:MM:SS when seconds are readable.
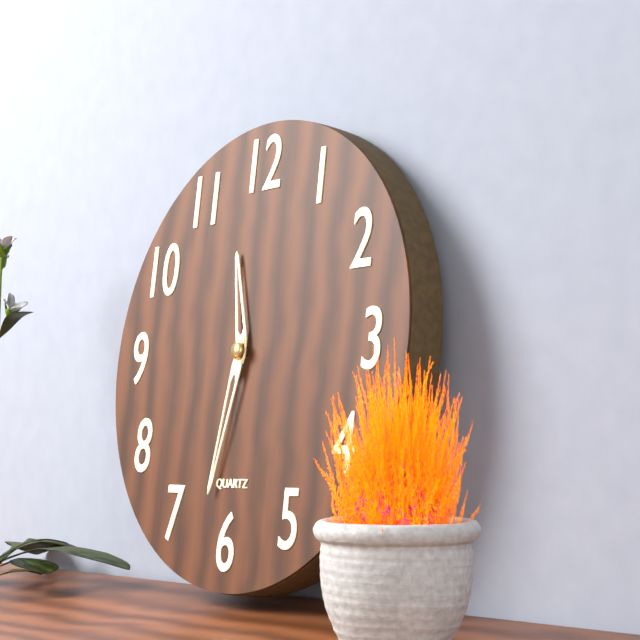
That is **11:32**
